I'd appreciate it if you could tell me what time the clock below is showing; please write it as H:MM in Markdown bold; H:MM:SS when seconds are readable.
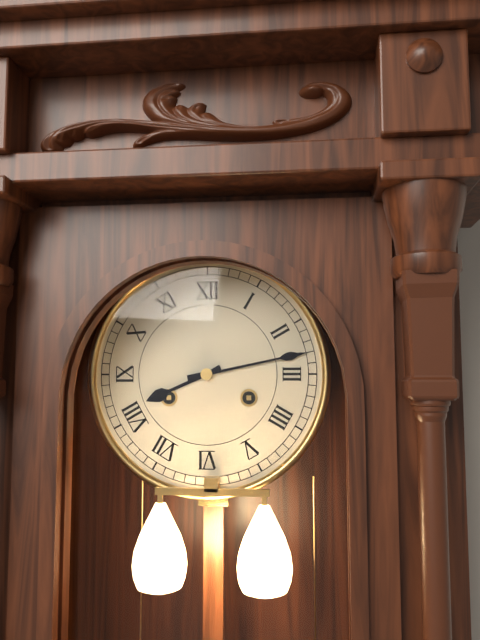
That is **8:13**
